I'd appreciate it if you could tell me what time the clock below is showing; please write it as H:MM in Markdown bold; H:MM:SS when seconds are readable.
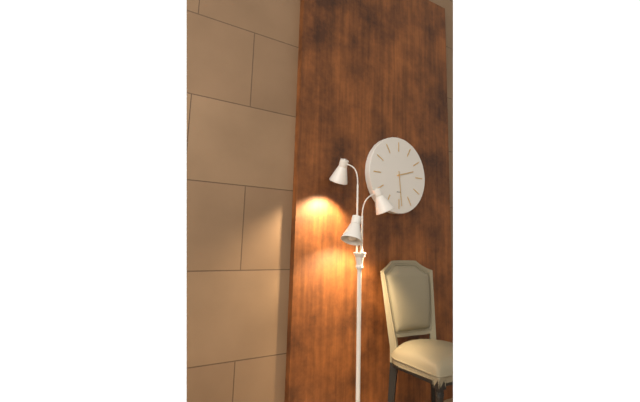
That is **2:29**
